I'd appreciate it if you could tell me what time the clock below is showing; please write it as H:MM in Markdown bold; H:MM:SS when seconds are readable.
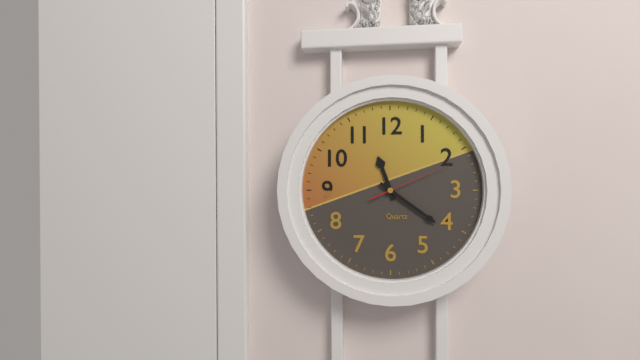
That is **11:21:11**
